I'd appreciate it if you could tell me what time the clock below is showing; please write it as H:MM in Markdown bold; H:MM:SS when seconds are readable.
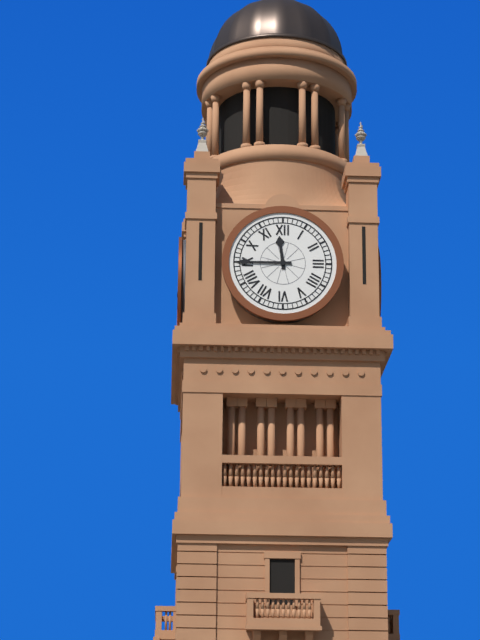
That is **11:45**
